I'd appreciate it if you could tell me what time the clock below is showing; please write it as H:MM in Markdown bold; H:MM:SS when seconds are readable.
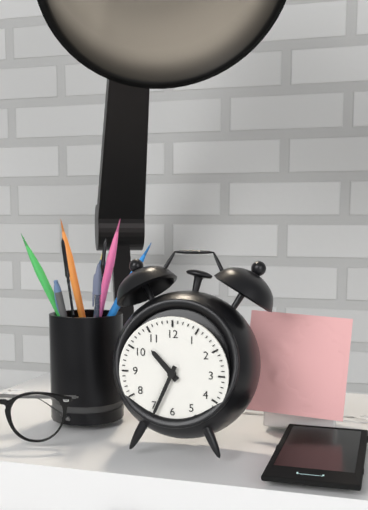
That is **10:34**
